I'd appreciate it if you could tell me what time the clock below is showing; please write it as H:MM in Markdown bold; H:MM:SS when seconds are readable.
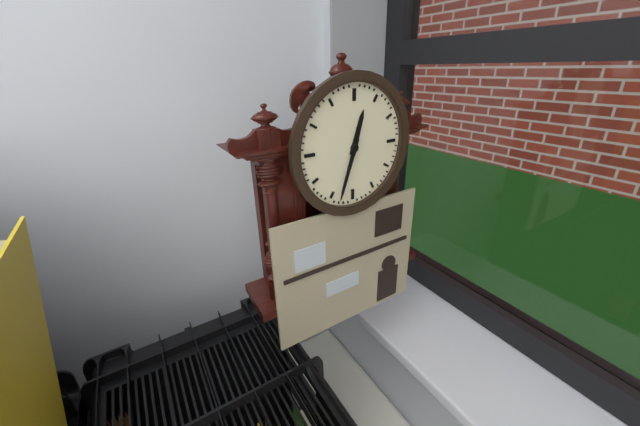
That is **12:33**
